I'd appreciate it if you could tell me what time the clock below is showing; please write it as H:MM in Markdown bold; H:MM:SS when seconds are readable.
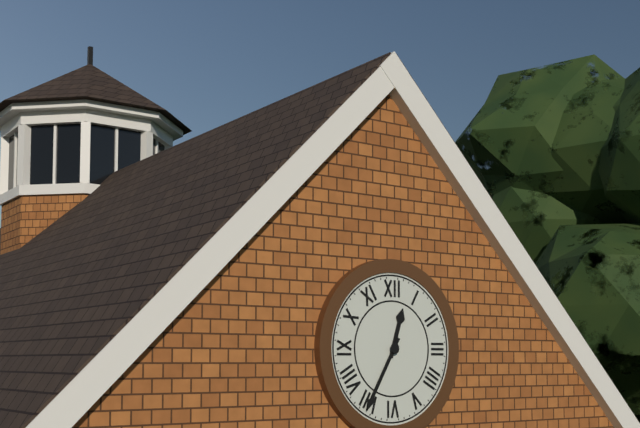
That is **12:35**
